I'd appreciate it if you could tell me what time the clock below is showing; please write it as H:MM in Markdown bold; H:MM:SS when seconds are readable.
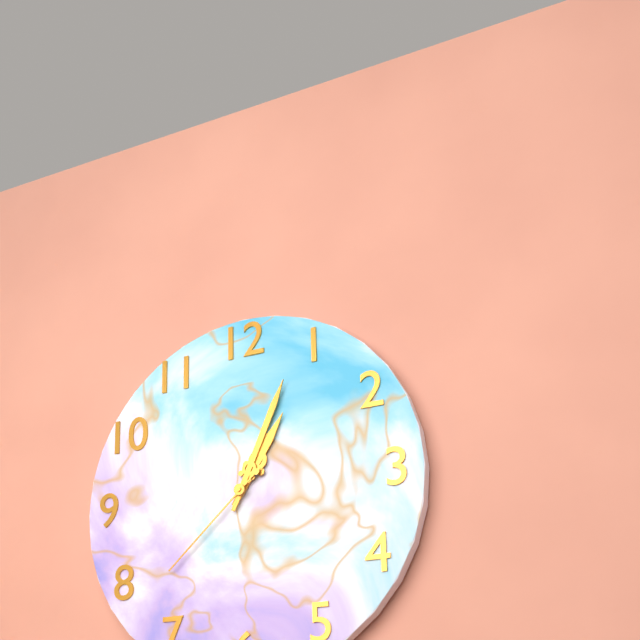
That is **1:04:38**
